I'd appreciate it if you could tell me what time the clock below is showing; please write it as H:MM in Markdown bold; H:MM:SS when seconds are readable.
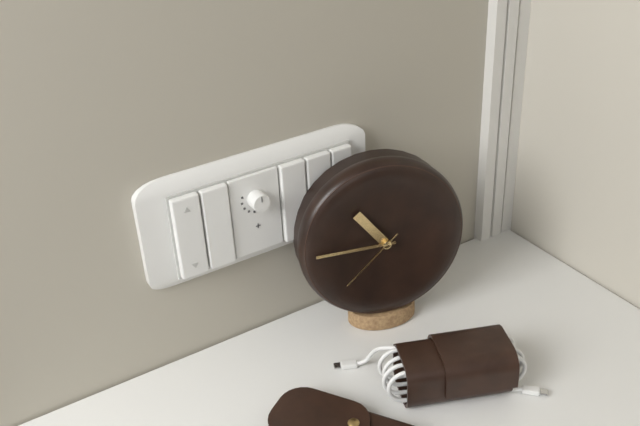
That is **10:45:38**
